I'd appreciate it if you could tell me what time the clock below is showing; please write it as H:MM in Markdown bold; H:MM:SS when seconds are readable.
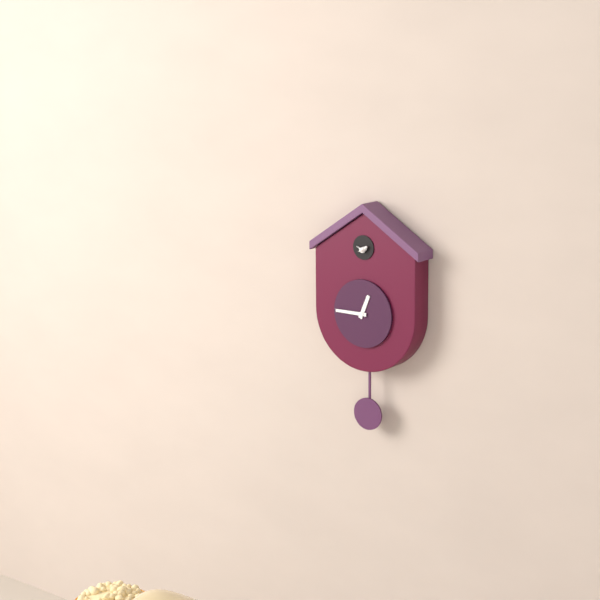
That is **12:45**
